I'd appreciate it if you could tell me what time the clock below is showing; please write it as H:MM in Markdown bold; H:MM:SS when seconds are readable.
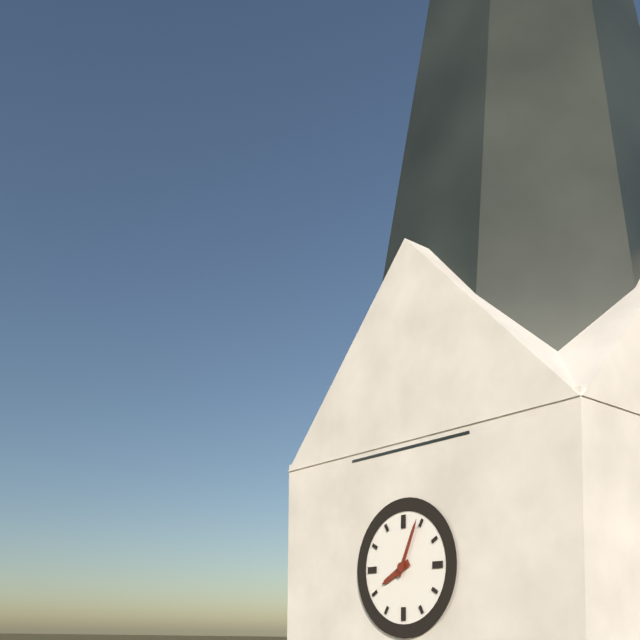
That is **8:04**
